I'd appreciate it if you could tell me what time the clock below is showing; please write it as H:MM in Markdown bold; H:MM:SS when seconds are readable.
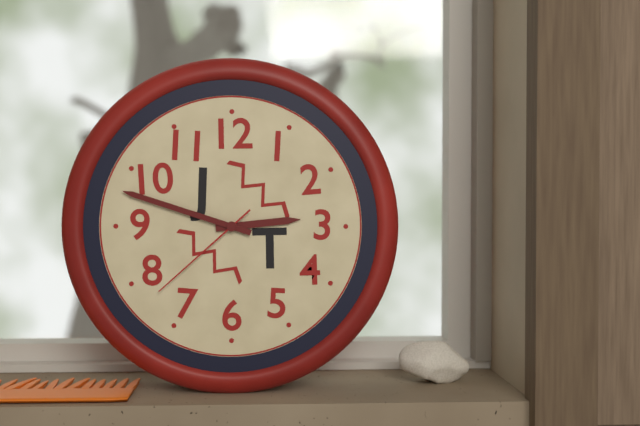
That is **2:48:38**
